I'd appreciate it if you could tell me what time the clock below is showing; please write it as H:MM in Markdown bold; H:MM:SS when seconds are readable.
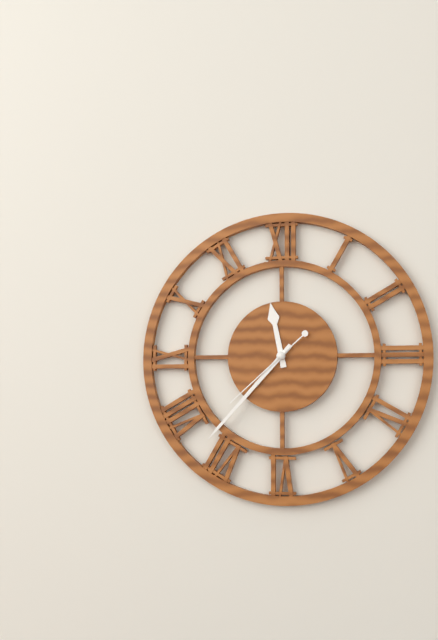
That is **11:37:38**
